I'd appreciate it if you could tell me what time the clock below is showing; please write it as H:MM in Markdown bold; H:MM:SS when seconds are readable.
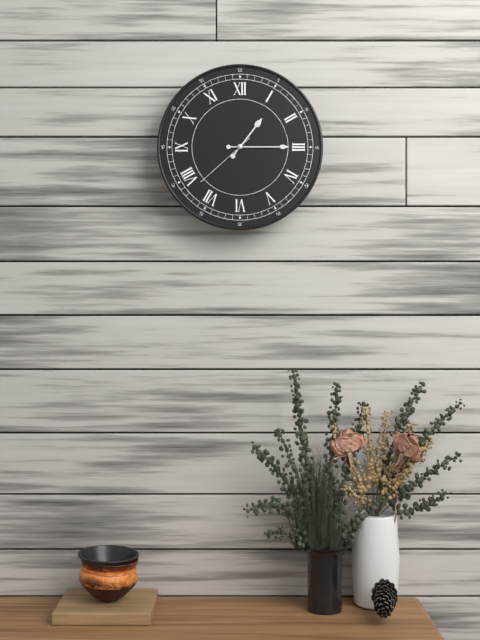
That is **1:15:38**
